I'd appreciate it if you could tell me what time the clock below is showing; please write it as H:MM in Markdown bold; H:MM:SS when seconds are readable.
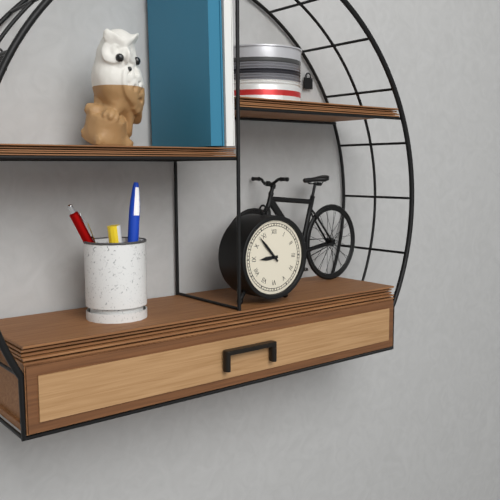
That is **8:53**
